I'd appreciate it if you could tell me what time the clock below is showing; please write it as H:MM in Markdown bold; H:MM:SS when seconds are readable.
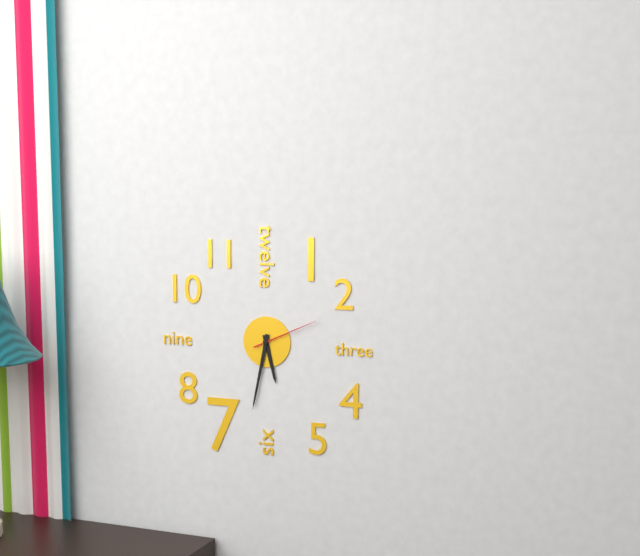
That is **5:32:11**
